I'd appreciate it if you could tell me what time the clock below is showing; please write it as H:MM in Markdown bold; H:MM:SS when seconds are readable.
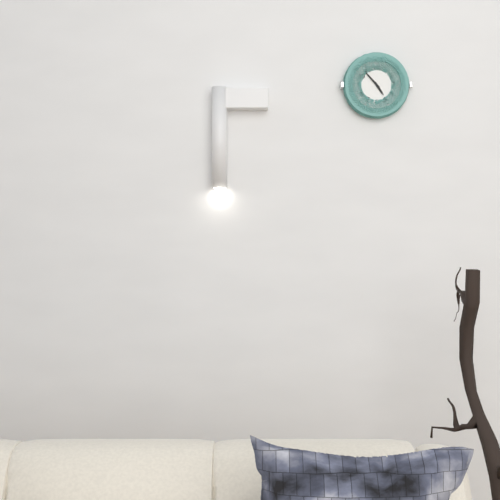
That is **4:53**
